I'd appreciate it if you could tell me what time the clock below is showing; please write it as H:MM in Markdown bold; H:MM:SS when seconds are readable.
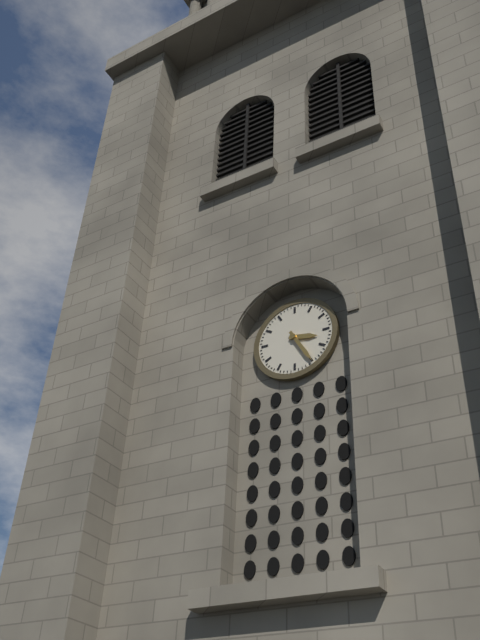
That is **3:25**
